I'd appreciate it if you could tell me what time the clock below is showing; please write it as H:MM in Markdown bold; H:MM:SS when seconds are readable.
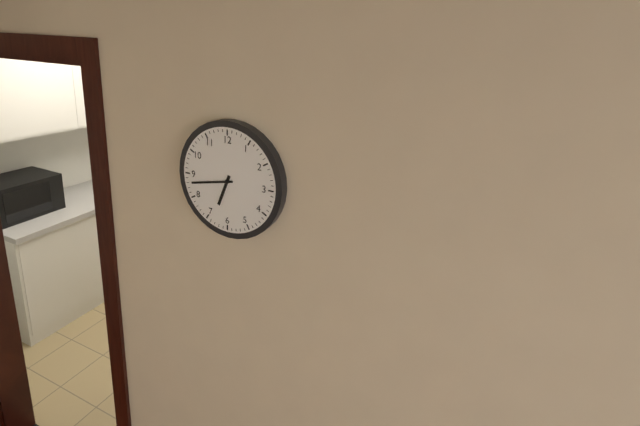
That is **6:43**
